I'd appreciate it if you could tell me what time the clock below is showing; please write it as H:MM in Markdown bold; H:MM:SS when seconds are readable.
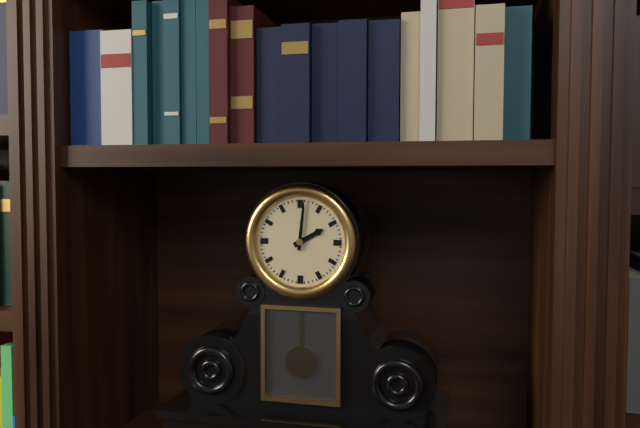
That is **2:01**
